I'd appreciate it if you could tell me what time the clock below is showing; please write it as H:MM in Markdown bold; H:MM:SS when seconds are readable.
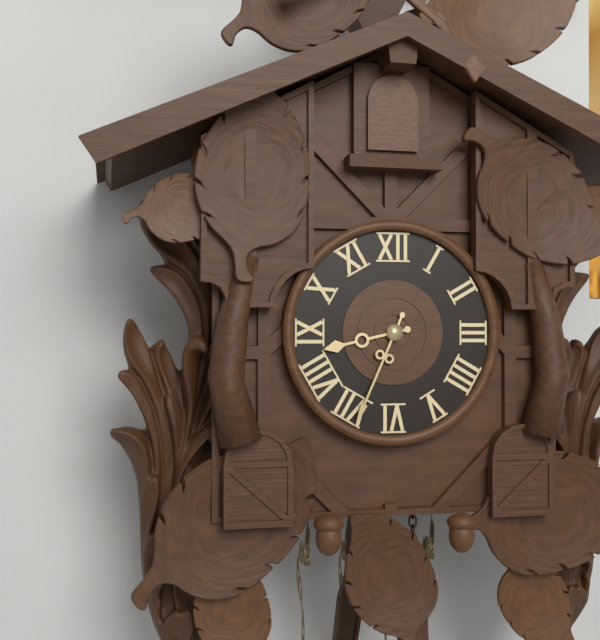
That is **8:34**
